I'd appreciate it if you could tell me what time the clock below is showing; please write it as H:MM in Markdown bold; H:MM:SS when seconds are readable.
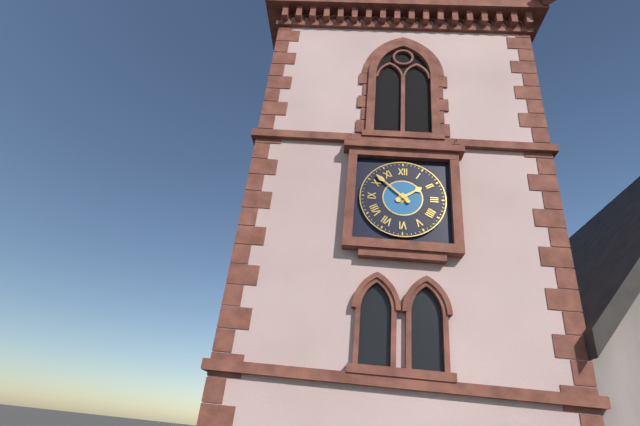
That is **1:52**
